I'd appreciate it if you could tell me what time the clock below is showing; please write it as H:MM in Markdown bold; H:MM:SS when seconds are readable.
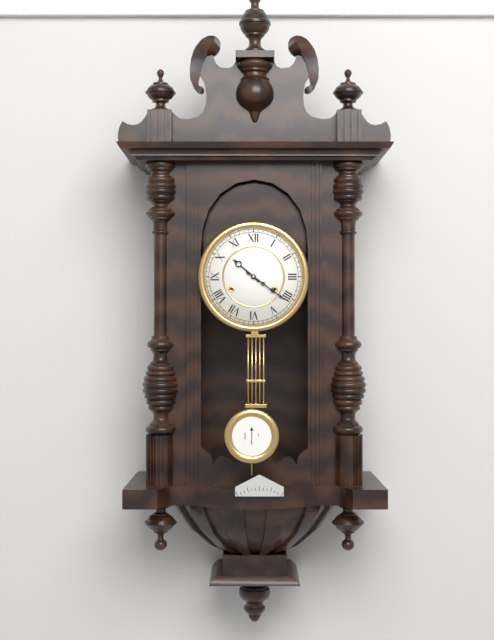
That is **10:21**
